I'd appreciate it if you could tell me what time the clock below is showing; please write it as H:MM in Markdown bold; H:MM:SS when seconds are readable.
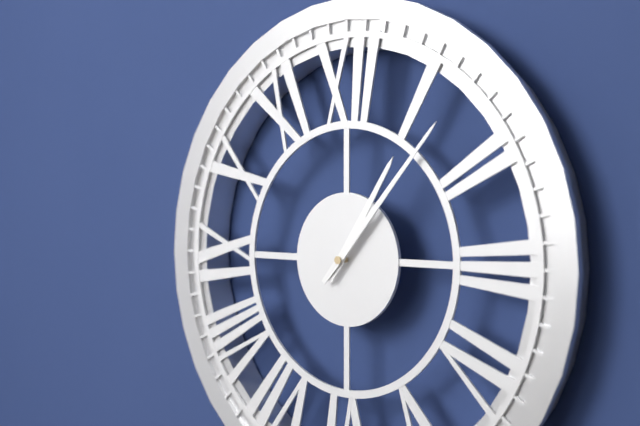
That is **1:07**
